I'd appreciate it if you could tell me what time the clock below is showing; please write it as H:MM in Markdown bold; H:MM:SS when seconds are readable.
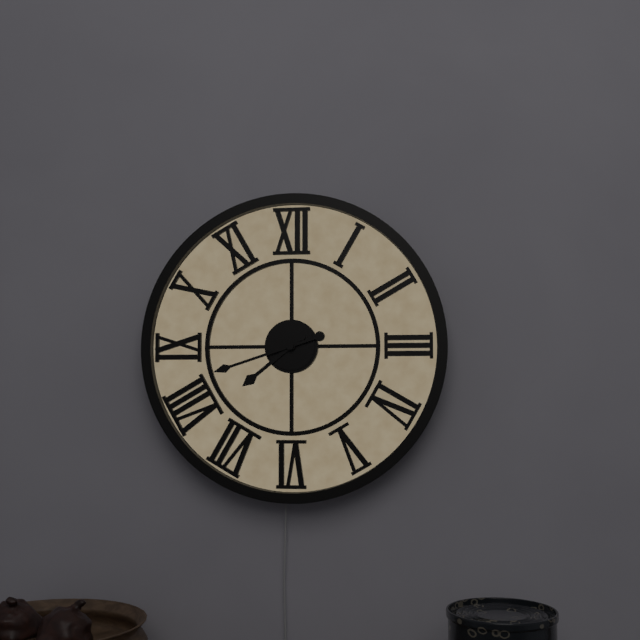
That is **7:42**
